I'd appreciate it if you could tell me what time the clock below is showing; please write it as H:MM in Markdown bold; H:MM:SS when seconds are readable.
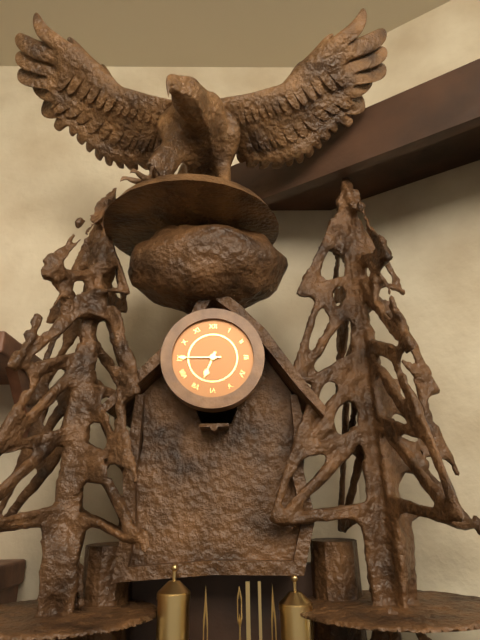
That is **6:45**
